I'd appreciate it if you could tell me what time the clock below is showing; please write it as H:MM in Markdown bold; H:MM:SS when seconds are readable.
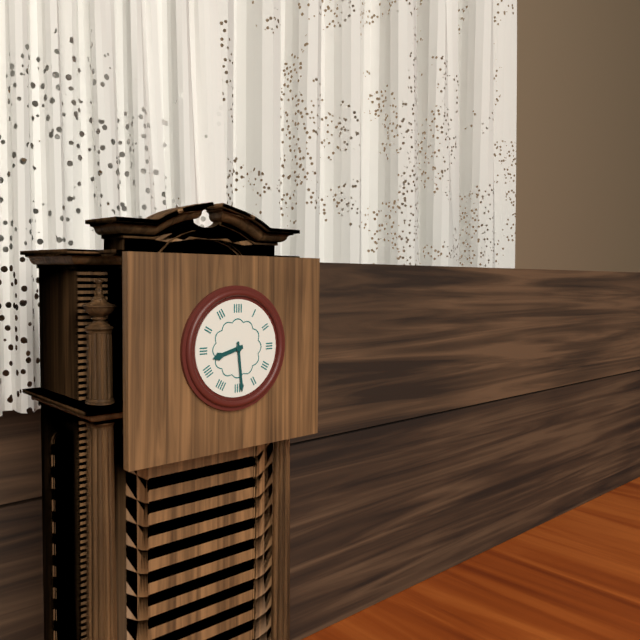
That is **8:29**
